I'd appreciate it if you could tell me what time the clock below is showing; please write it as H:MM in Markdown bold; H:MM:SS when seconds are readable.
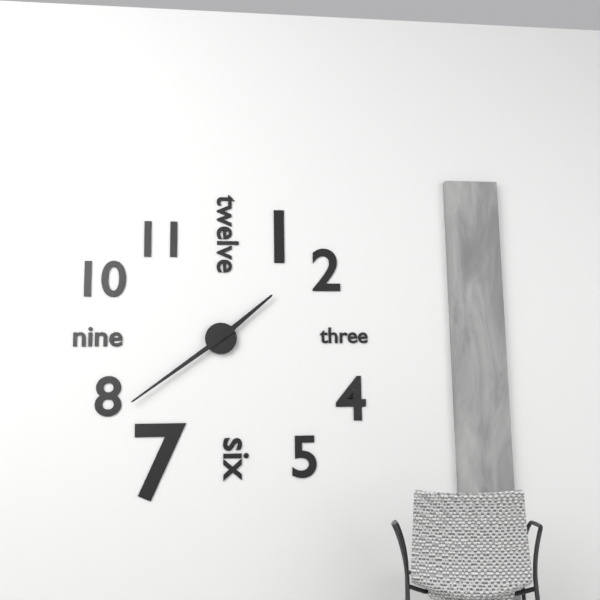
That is **1:39**
